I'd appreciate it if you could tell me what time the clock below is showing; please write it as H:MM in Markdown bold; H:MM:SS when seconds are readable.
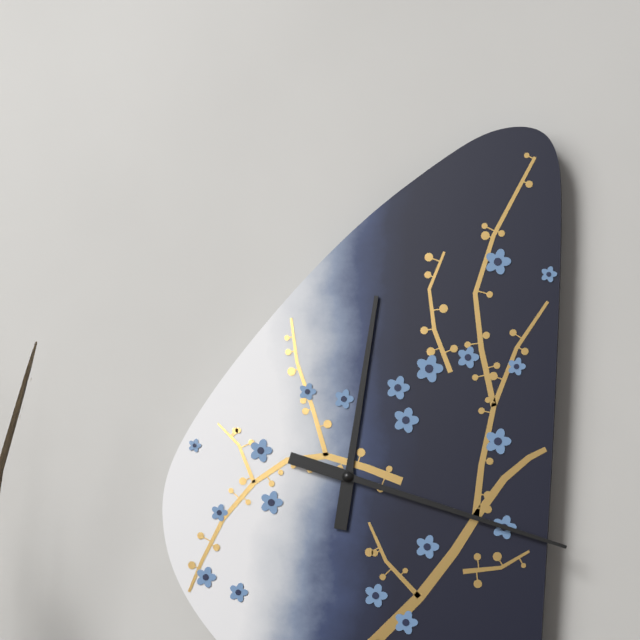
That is **12:18**
